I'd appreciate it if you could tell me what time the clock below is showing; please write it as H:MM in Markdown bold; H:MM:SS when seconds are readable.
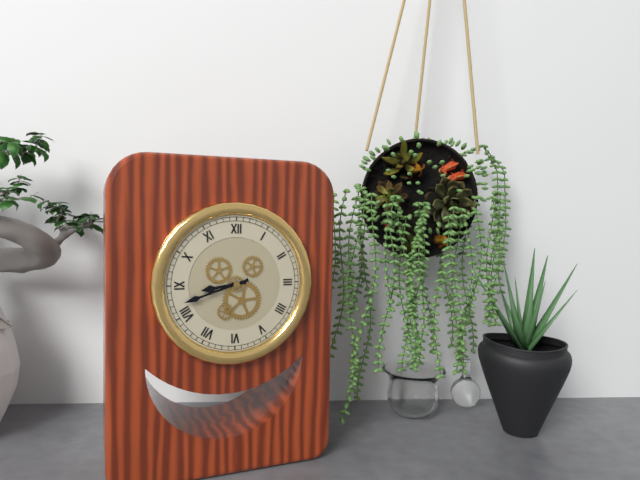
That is **8:42**
